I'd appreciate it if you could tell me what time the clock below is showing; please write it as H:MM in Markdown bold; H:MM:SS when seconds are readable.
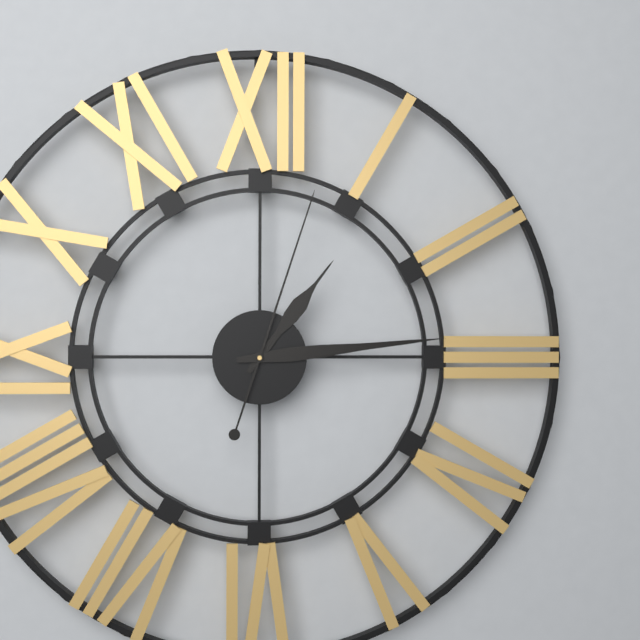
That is **1:14:03**
